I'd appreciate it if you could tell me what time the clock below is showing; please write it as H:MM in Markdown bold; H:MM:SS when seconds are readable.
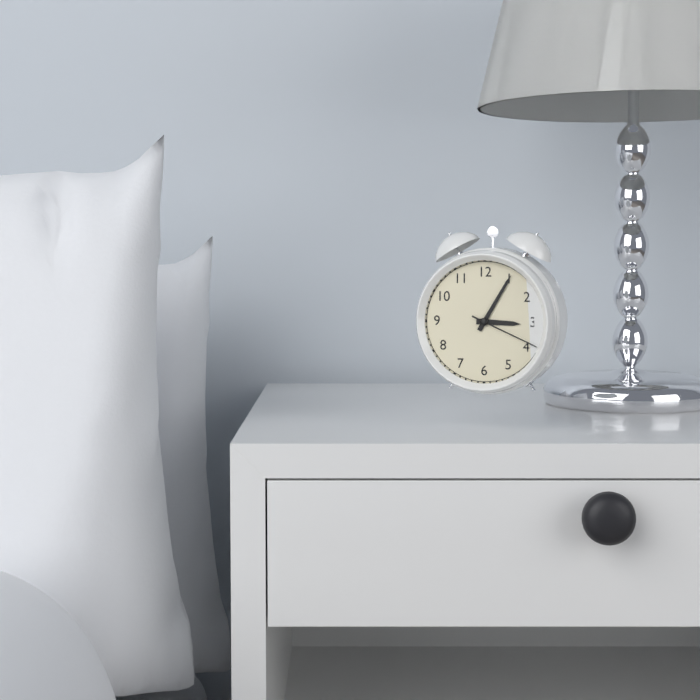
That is **3:05:19**
